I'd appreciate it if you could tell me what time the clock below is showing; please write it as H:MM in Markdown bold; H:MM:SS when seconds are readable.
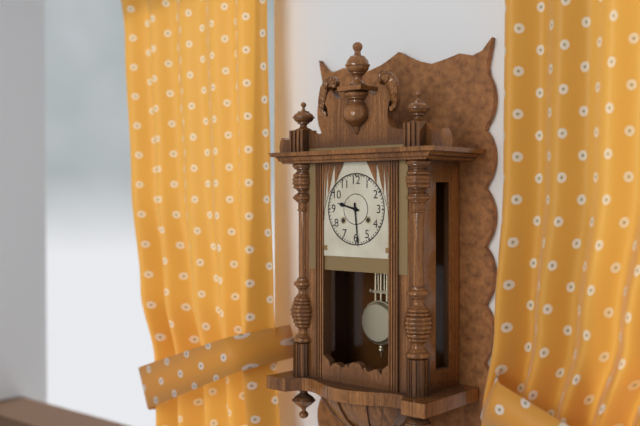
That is **9:29**
